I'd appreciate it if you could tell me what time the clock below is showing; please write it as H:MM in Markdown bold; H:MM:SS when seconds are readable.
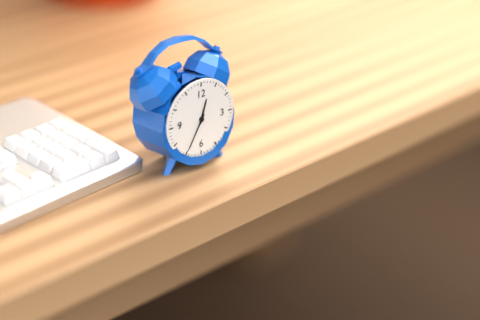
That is **12:35**
